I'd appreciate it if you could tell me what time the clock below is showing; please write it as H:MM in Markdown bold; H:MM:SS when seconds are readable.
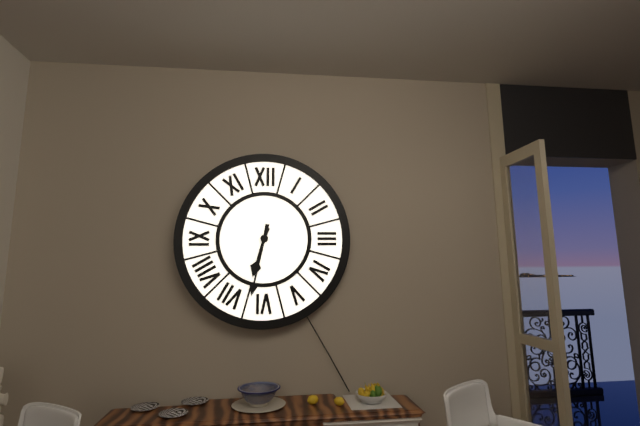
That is **6:32**
